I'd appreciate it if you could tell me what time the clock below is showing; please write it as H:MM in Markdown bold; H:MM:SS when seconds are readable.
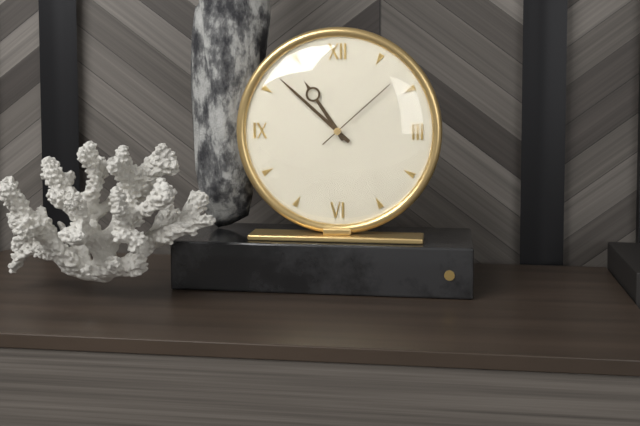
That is **10:52:08**
